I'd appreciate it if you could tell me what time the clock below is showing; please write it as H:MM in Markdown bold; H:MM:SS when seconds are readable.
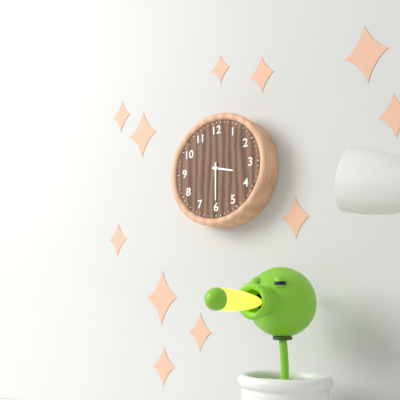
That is **3:30**
